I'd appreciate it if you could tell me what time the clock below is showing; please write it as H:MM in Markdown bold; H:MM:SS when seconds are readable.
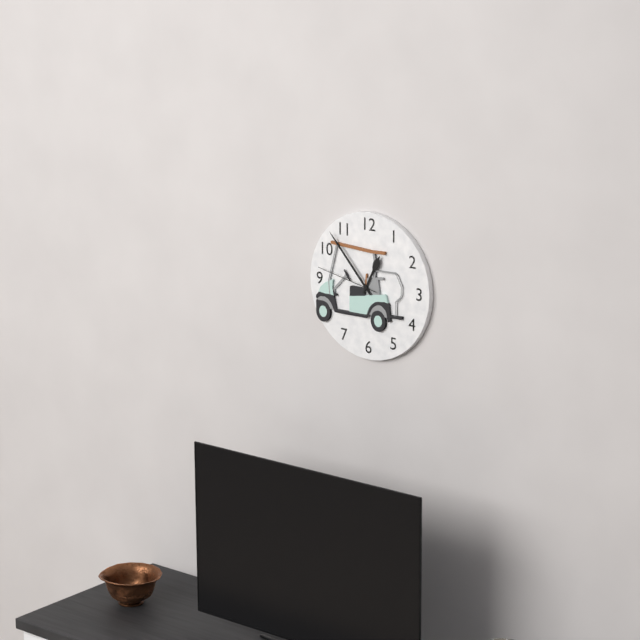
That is **12:53:47**
